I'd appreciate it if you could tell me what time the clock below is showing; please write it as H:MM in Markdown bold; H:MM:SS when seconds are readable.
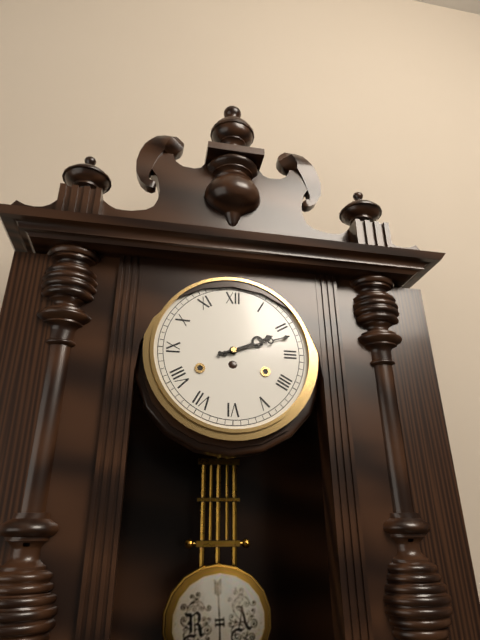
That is **2:12**
